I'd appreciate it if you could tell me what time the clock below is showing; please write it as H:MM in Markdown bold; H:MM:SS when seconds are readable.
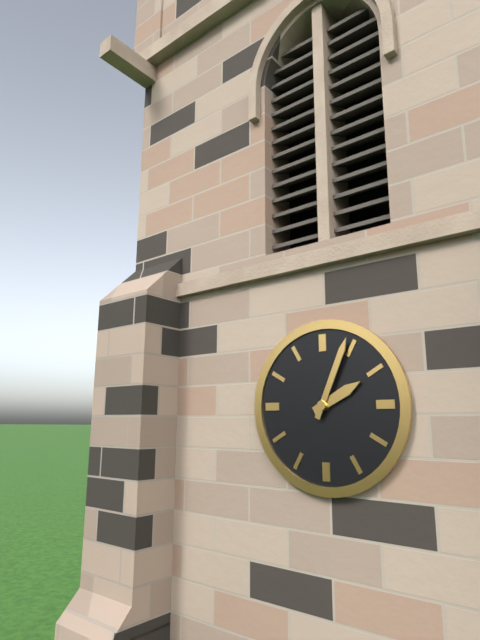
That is **2:04**
